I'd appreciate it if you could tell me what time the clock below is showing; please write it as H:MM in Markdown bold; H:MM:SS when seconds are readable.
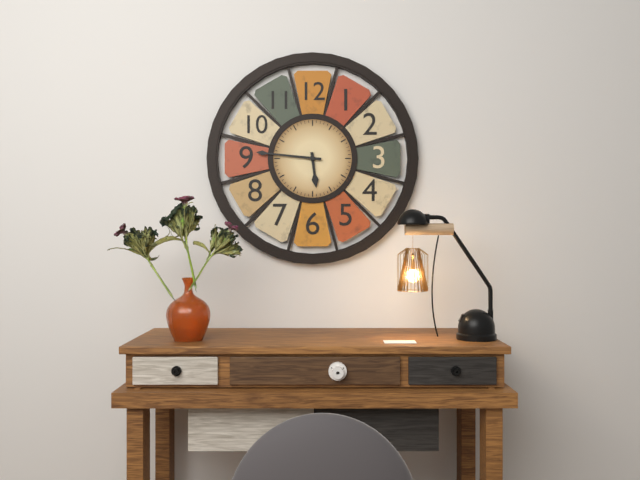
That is **5:46**
